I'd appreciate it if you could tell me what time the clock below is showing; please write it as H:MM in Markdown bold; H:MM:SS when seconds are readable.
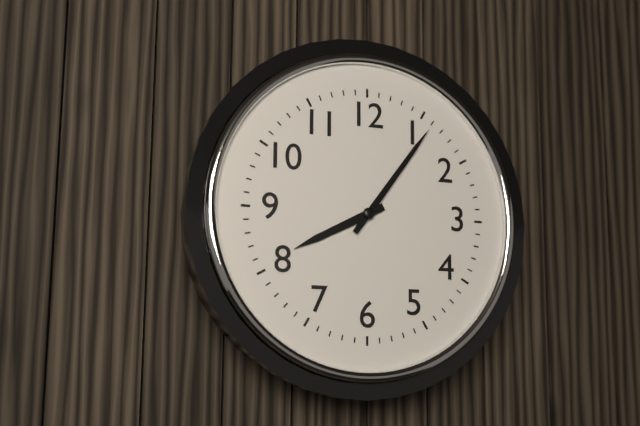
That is **8:06**
